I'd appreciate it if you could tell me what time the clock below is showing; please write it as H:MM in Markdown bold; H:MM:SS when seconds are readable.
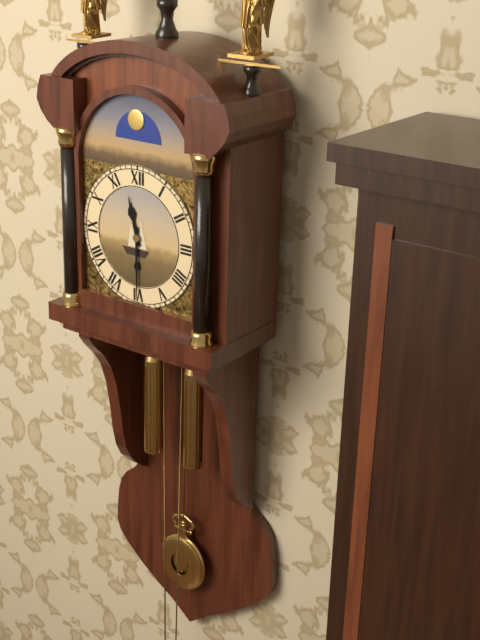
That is **11:30**
